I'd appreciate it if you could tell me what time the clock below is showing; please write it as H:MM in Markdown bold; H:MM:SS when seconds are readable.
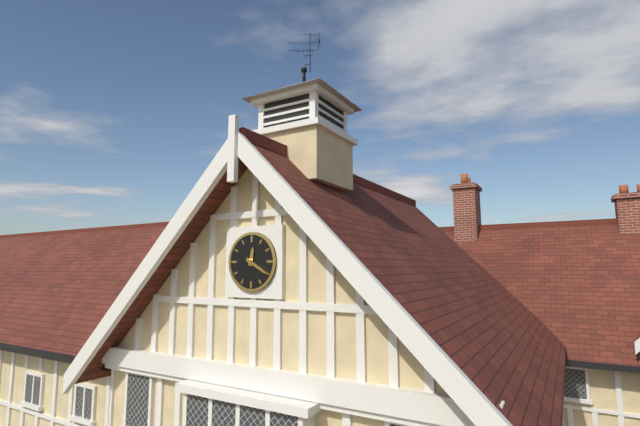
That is **12:20**
